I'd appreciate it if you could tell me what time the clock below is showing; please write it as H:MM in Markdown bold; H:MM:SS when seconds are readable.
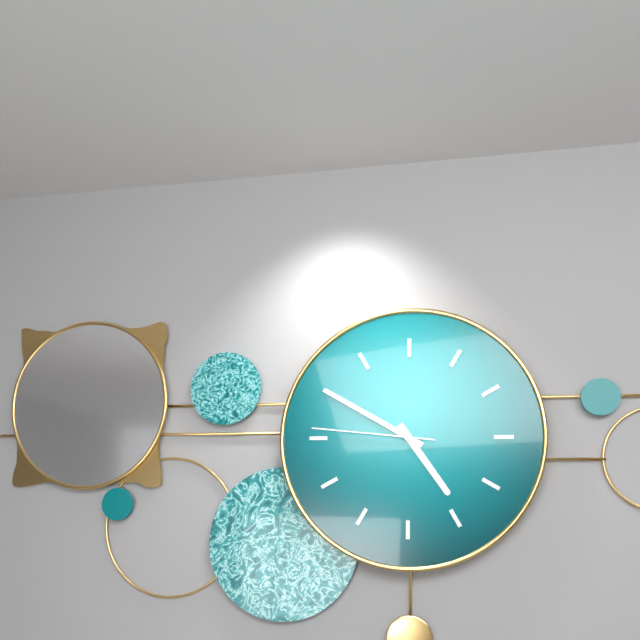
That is **4:50:46**
